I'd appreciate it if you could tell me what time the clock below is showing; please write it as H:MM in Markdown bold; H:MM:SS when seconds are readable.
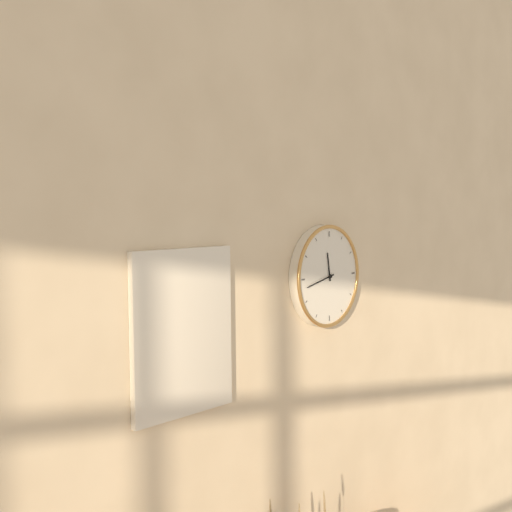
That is **11:43**
